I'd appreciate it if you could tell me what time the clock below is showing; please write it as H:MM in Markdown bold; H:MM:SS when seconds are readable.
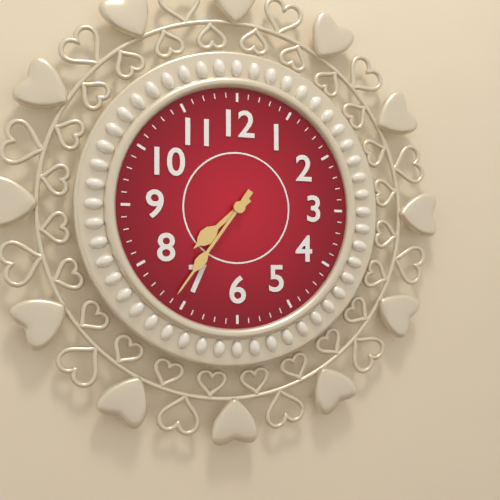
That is **7:36**
